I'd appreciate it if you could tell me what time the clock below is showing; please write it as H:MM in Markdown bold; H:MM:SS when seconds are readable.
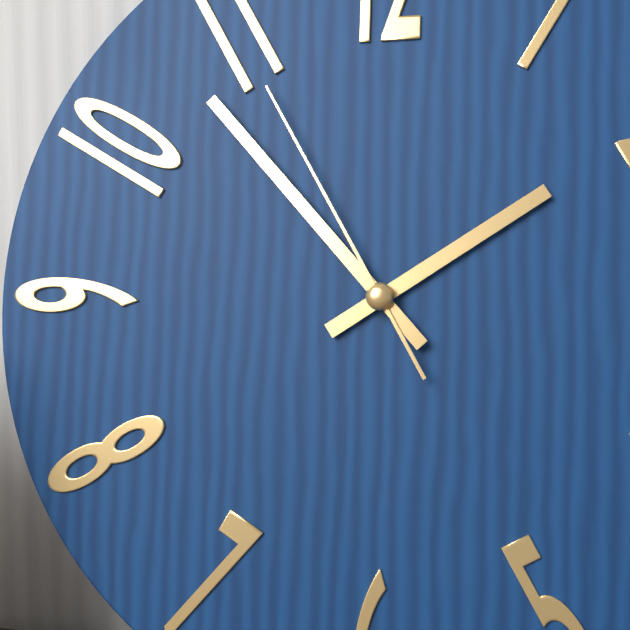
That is **1:53:55**
